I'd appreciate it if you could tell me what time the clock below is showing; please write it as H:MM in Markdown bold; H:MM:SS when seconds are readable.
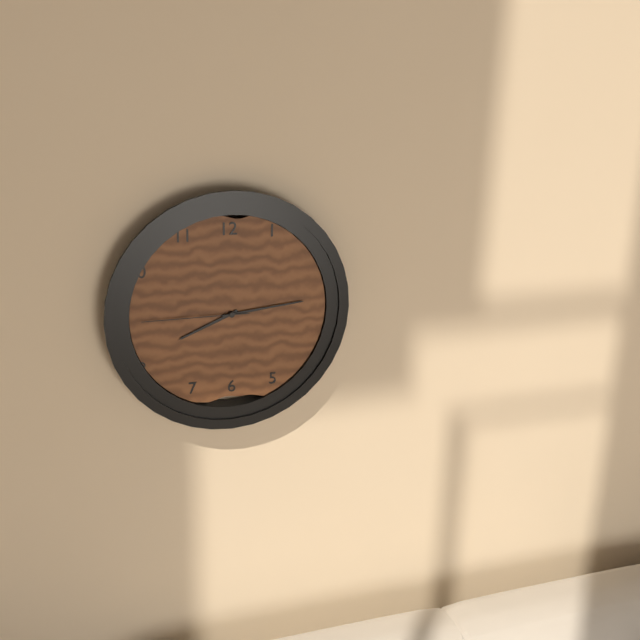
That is **8:14:45**
